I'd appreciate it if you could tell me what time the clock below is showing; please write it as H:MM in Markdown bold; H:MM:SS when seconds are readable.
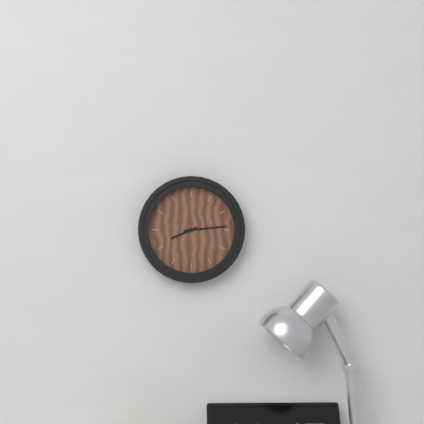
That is **8:14**
